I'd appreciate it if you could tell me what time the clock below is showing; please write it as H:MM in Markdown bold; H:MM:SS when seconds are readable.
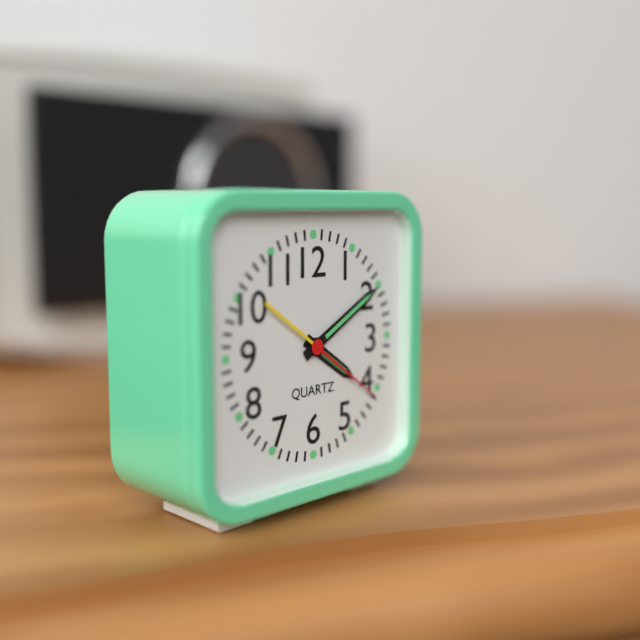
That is **4:10:21**
